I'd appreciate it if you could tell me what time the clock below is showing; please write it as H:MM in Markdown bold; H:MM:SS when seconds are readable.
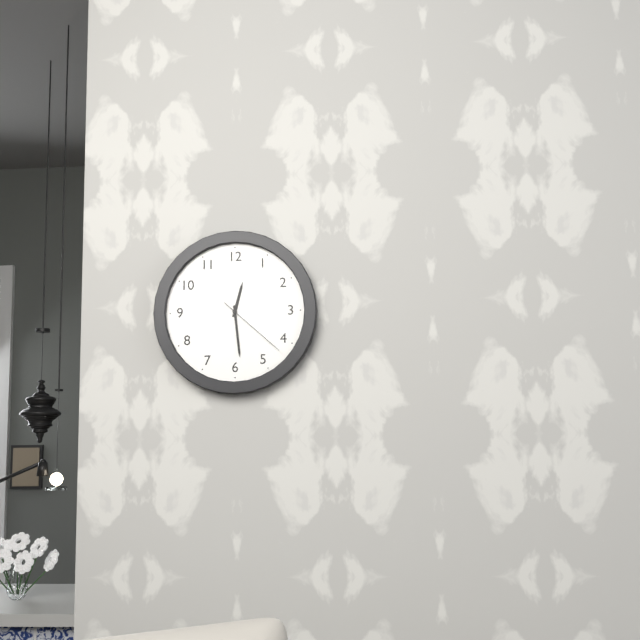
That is **12:29:22**
